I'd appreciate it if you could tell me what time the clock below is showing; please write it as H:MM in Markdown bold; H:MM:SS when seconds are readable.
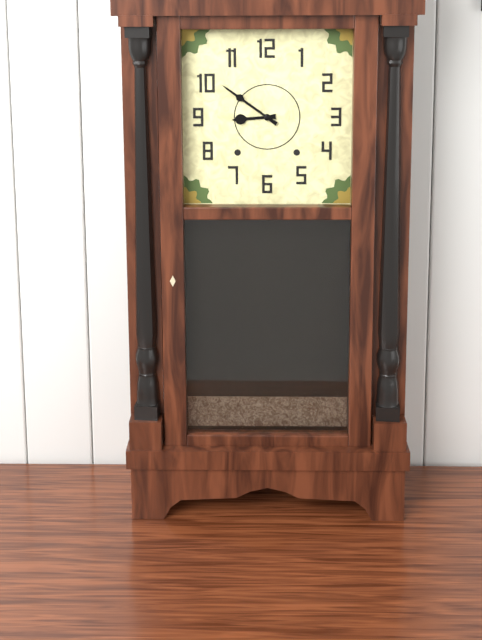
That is **8:51**
